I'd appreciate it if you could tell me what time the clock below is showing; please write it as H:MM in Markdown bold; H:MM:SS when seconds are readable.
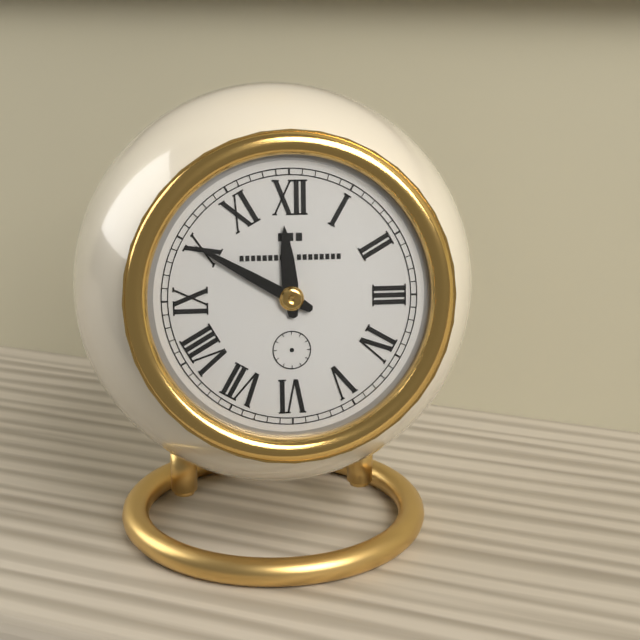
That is **11:50**
